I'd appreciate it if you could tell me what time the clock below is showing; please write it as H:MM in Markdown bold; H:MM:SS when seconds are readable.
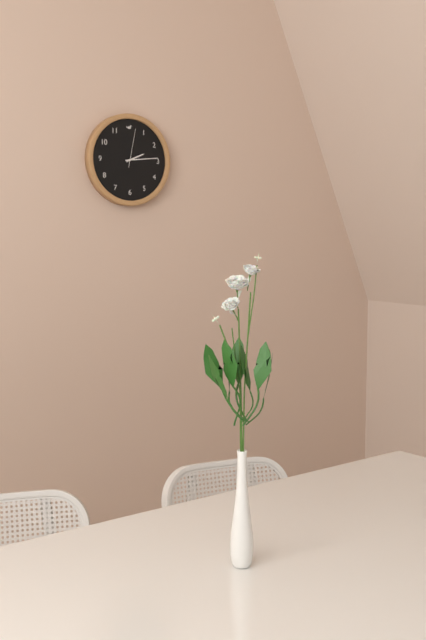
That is **2:14**
